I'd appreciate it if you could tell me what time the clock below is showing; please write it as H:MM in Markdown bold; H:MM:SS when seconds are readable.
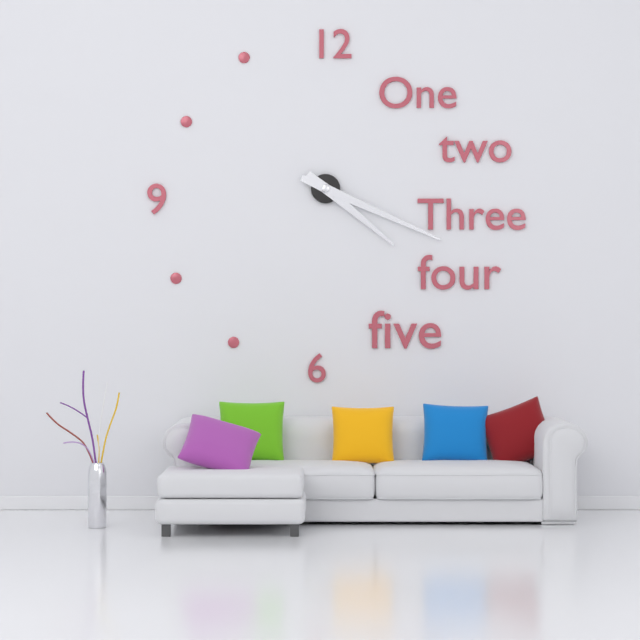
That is **4:19**
